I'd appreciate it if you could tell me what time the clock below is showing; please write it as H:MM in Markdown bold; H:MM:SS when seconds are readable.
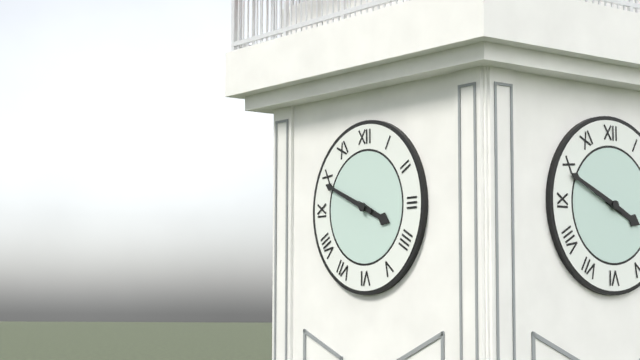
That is **3:49**
